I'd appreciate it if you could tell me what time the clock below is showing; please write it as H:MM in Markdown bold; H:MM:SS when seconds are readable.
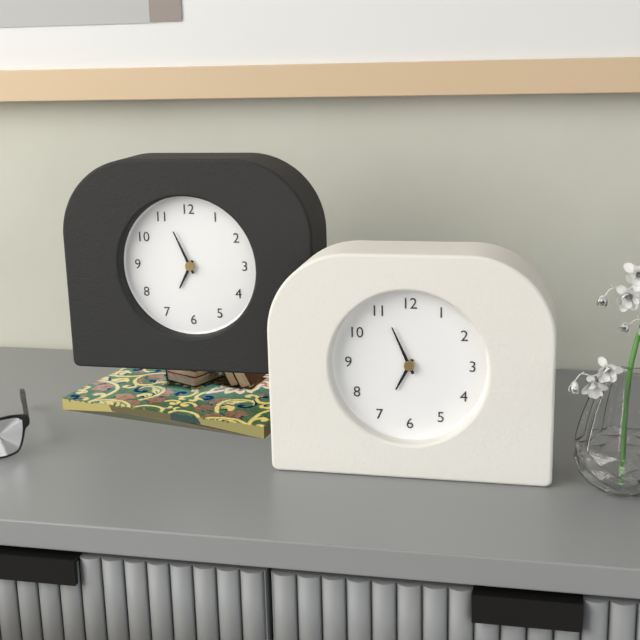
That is **6:56**
